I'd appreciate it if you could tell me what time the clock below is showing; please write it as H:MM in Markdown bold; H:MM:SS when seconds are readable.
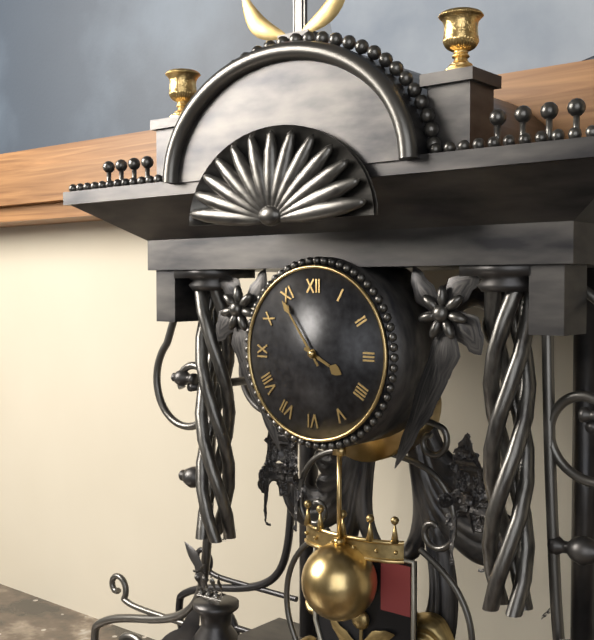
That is **3:54**
